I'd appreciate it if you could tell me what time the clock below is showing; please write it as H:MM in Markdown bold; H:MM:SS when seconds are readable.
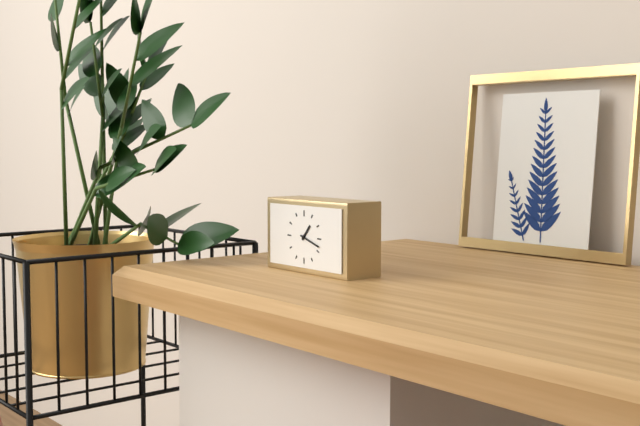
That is **1:18**
